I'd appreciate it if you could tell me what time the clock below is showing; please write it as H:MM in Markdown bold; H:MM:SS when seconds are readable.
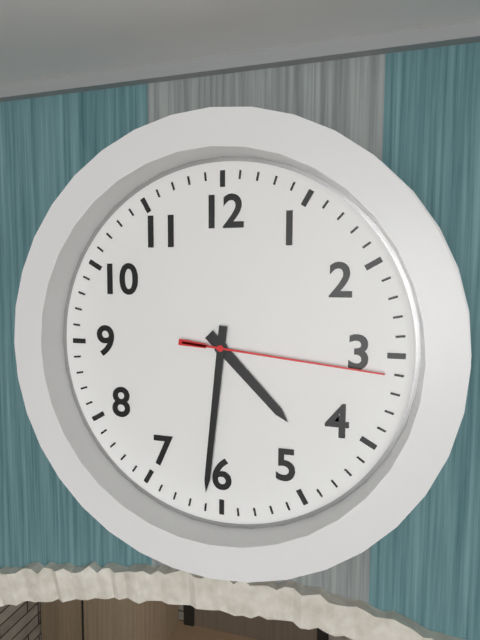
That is **4:31:16**
